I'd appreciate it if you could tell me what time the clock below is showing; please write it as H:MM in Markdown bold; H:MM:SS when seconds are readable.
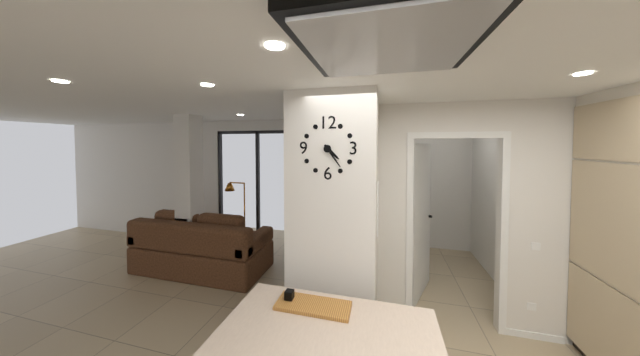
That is **4:24**
